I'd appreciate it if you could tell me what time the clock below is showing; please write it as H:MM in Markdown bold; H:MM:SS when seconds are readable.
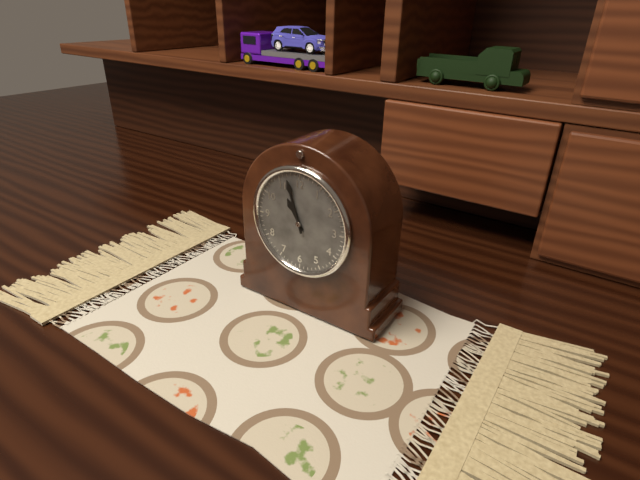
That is **10:57**
